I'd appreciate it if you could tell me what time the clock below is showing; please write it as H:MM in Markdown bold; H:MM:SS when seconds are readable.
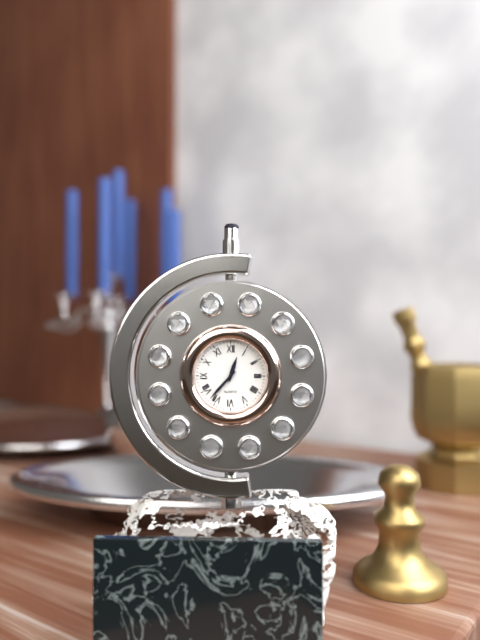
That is **12:37**
